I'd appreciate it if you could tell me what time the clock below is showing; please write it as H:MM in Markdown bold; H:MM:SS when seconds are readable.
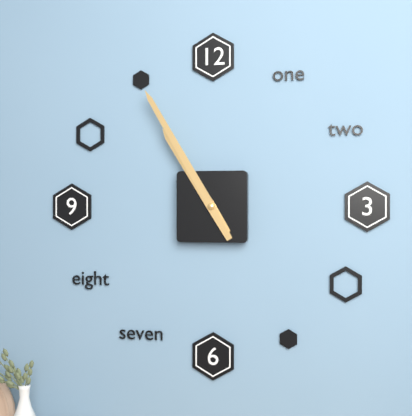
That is **10:55**
